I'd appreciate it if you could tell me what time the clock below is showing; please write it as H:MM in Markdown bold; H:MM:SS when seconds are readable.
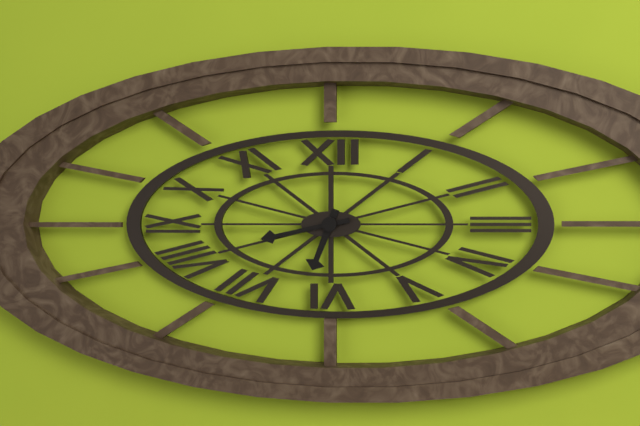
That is **6:43**
